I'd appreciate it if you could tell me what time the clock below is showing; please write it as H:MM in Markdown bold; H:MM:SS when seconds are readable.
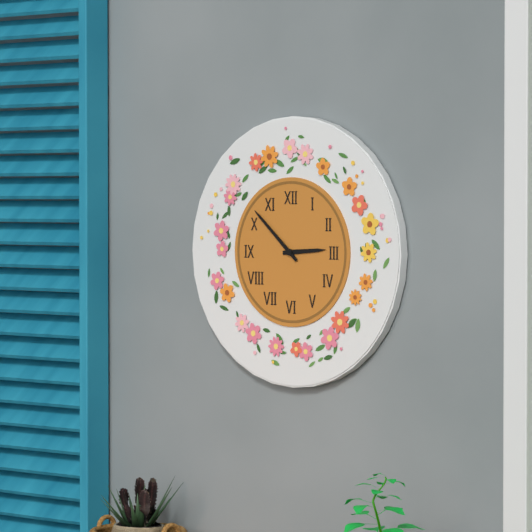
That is **2:52**
